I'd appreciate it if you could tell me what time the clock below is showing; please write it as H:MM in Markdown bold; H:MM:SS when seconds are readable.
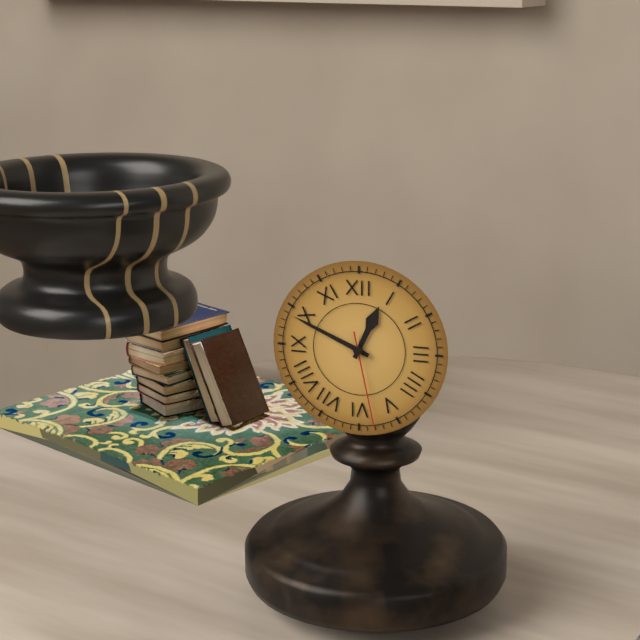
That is **12:49:28**
